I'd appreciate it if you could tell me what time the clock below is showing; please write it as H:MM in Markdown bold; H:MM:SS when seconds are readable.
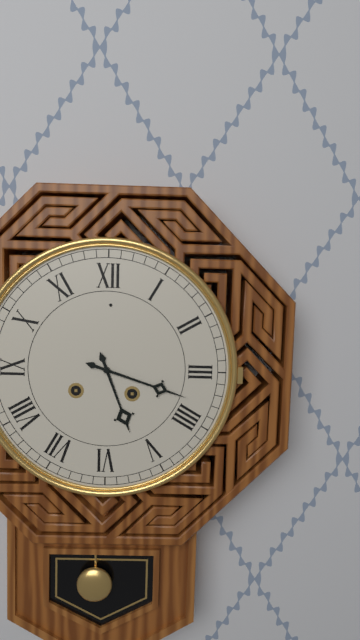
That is **5:18**
